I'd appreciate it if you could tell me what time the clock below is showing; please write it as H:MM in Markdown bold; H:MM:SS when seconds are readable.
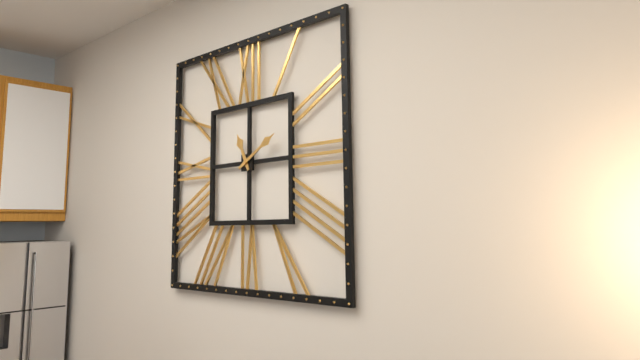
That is **11:10**
